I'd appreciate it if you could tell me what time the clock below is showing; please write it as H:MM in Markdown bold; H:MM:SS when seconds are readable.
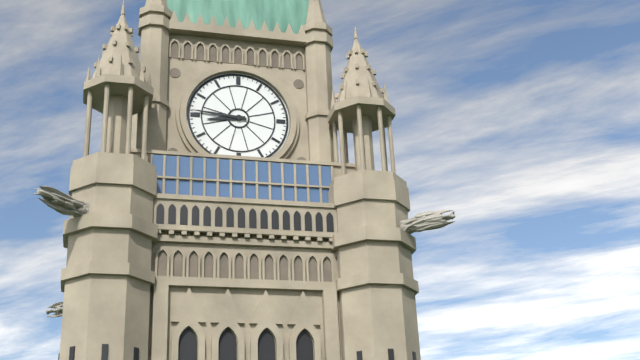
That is **8:46**
